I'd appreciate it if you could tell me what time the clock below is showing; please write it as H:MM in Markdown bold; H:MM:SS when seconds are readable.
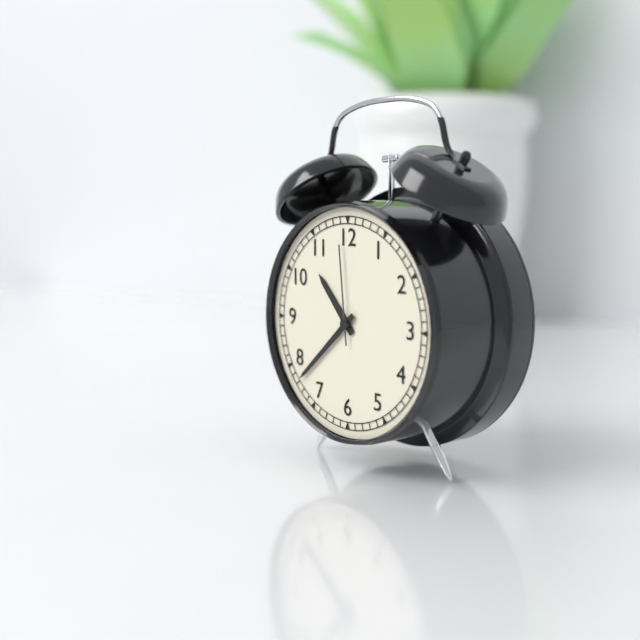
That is **10:38:59**
